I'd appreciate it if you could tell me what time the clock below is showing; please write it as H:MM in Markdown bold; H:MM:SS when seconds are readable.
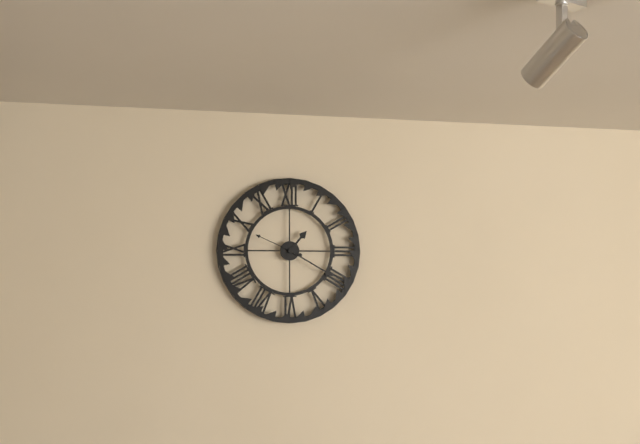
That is **1:20**
